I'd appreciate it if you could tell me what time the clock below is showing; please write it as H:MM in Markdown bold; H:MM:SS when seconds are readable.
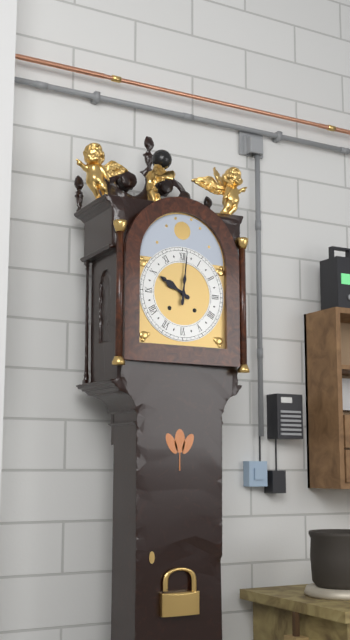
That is **10:01**
